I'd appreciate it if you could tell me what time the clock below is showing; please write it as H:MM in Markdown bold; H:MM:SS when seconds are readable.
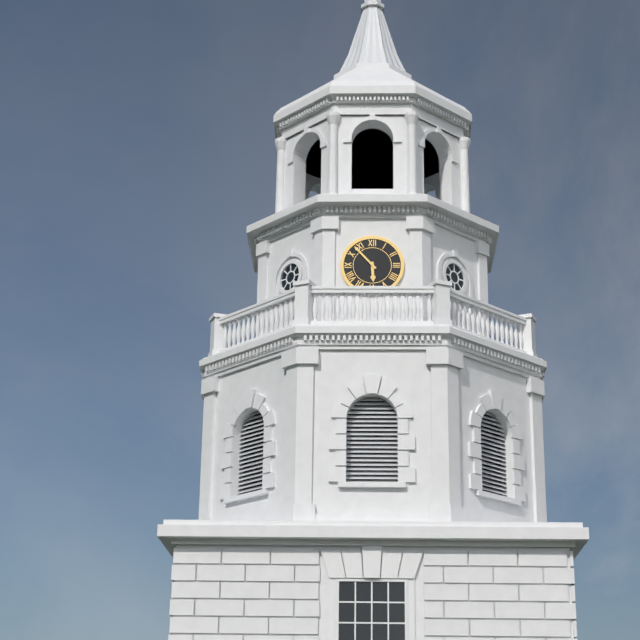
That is **5:53**
